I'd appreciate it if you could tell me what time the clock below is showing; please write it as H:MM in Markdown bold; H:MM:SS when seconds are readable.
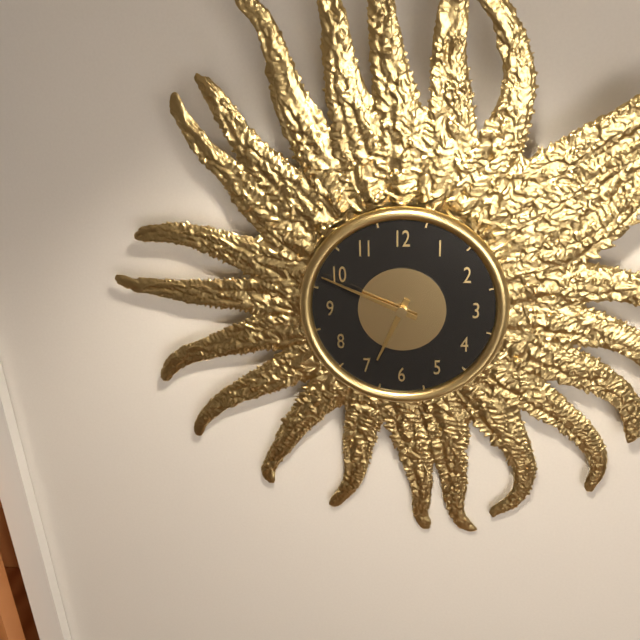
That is **6:49**
